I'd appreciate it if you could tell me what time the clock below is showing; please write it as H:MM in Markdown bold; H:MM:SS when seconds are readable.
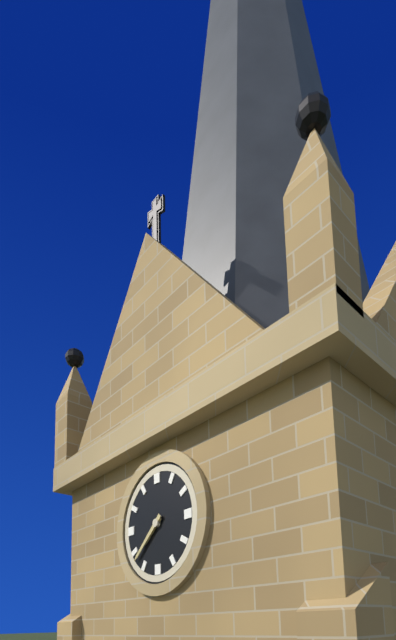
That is **7:38**
